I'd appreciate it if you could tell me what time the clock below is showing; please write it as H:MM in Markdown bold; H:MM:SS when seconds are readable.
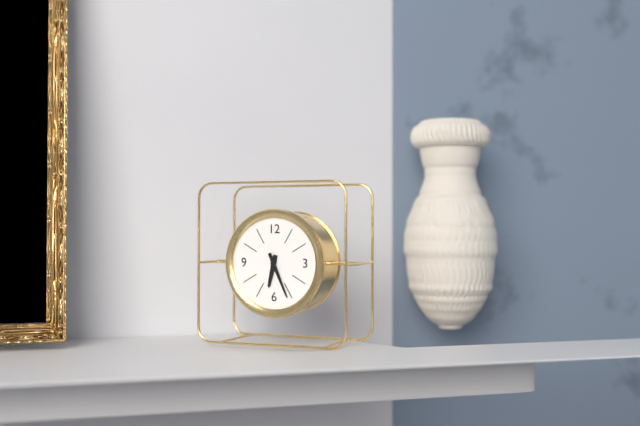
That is **6:26**
